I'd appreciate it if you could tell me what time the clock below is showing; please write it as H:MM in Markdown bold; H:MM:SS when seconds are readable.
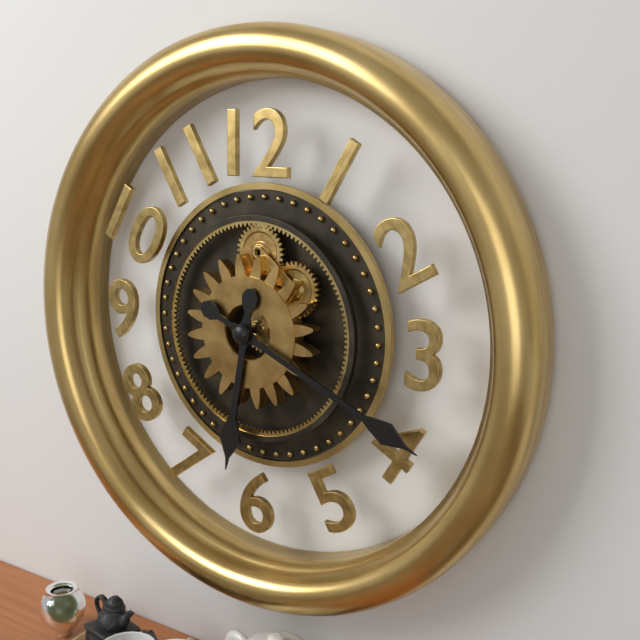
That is **6:19**
